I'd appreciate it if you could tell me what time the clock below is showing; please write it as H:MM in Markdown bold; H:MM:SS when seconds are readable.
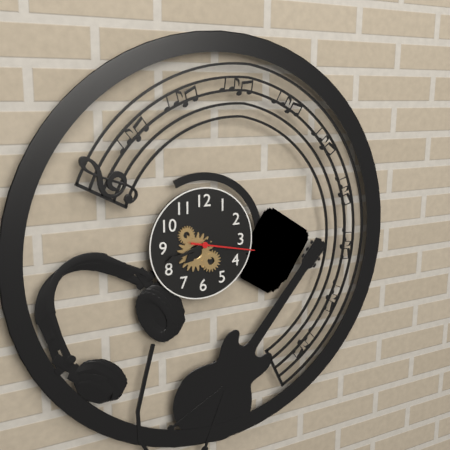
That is **7:42:17**
